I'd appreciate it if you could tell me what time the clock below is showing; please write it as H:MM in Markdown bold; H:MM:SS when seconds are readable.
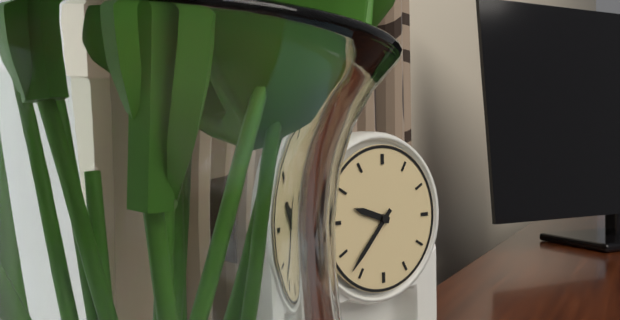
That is **9:37**
